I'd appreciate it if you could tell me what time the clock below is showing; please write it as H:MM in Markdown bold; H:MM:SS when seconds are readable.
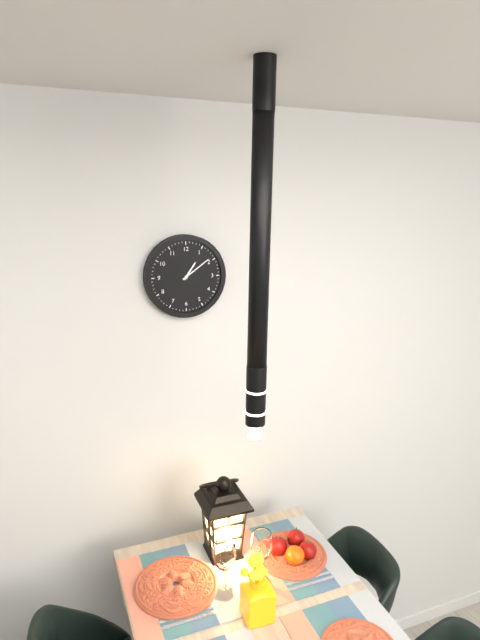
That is **1:09**
